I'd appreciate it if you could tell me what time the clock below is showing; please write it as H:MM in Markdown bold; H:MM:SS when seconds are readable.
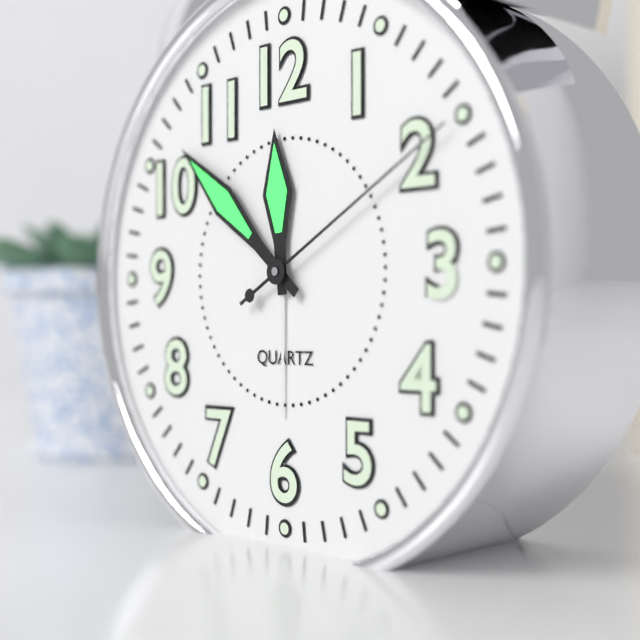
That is **11:52:10**
